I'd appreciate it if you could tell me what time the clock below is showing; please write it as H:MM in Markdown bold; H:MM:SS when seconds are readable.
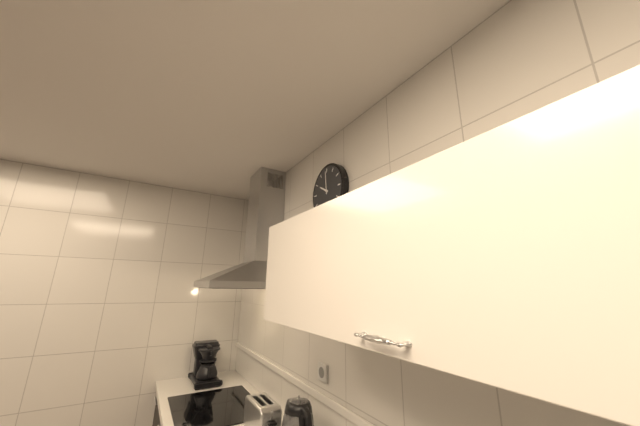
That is **9:59**
